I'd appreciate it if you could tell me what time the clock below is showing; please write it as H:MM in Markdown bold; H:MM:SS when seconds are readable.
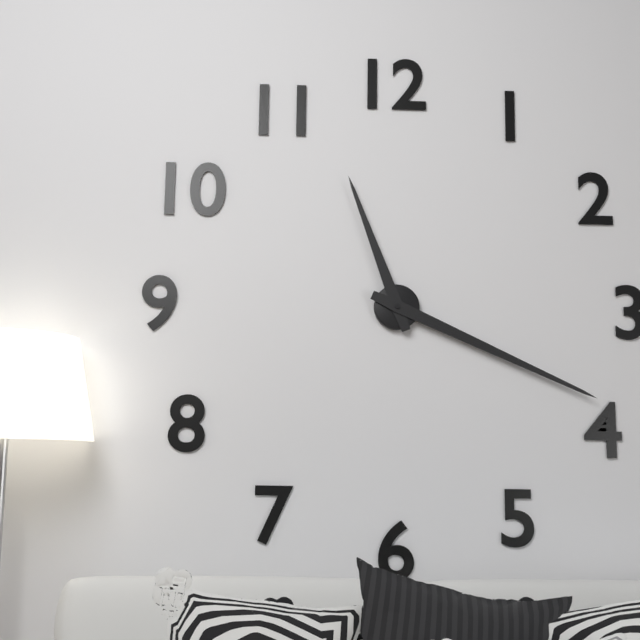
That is **11:19**
